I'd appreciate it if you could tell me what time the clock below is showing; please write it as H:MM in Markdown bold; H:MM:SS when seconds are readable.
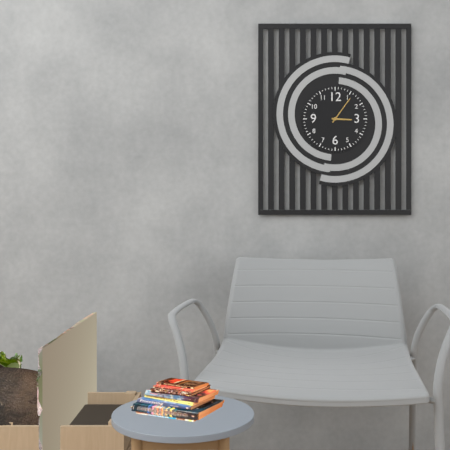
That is **3:06**
